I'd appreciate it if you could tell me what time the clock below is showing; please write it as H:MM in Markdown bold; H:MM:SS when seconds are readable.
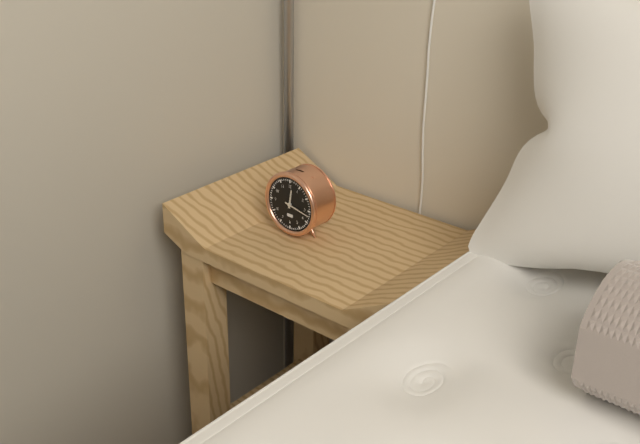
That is **12:17**
